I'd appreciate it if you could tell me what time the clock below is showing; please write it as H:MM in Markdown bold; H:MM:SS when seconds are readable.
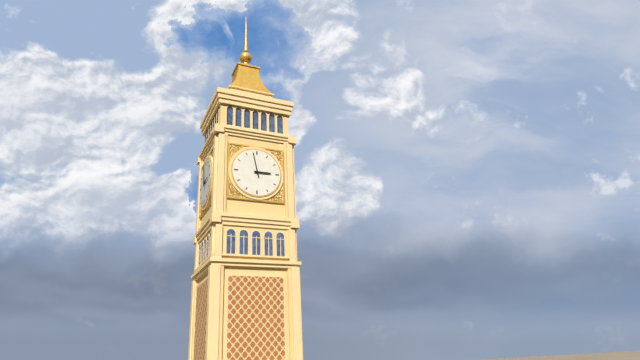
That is **2:58**
